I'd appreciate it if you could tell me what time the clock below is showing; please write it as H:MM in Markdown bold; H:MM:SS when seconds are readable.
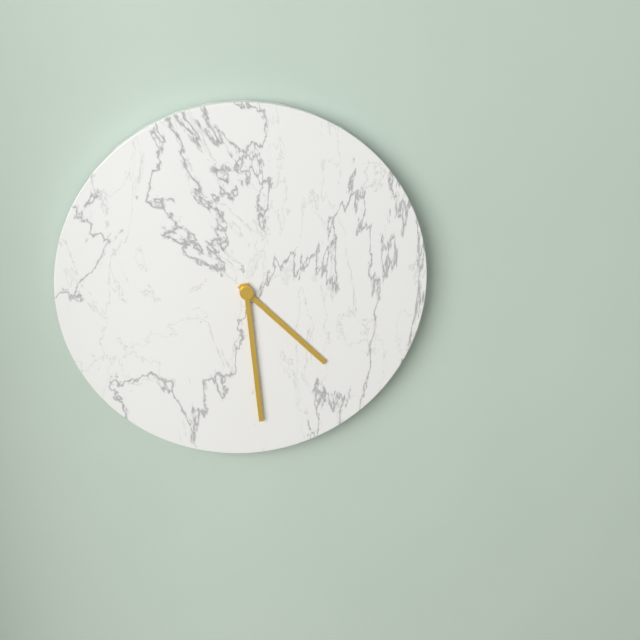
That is **4:29**
